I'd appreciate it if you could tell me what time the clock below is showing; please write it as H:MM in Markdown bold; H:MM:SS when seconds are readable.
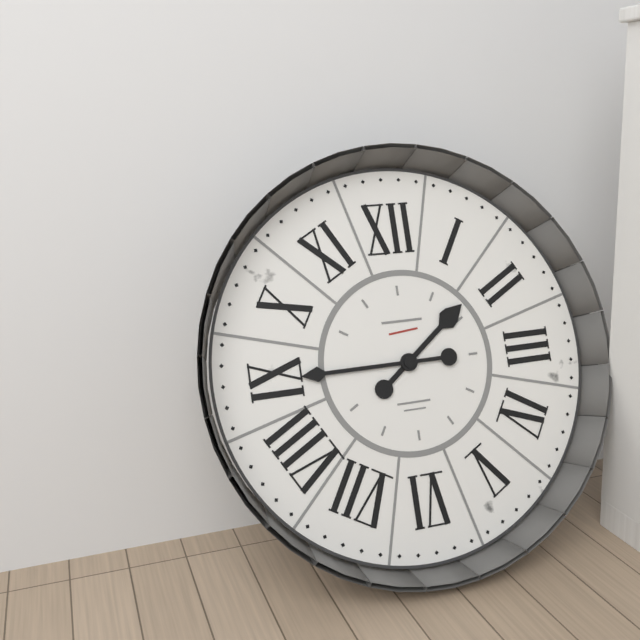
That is **1:45**
